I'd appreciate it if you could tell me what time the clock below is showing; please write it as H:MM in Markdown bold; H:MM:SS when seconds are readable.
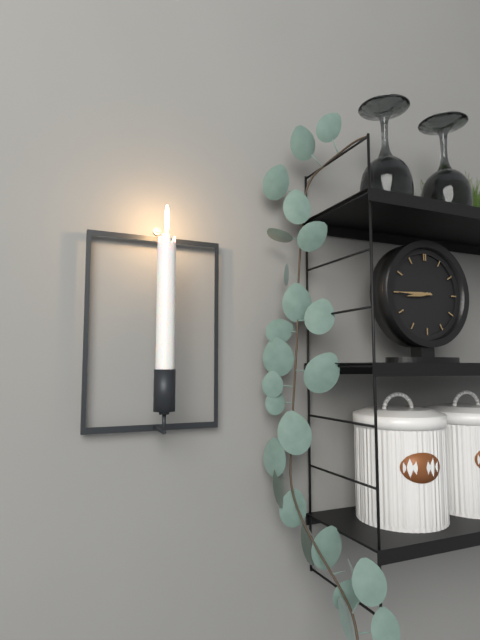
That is **8:45**
